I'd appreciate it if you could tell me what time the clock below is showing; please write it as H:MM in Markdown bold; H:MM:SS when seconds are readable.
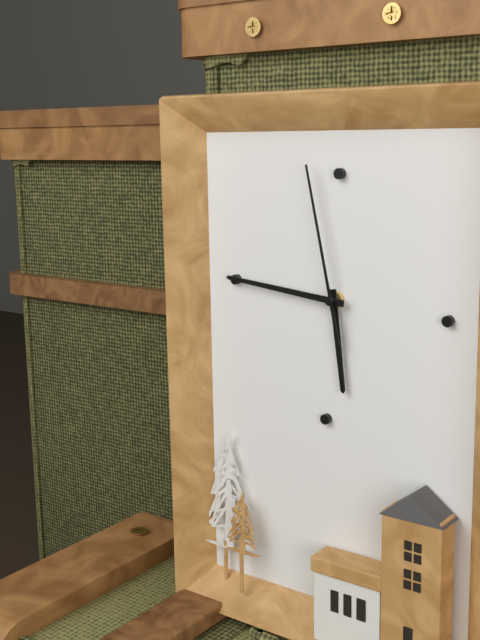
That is **5:46:58**
